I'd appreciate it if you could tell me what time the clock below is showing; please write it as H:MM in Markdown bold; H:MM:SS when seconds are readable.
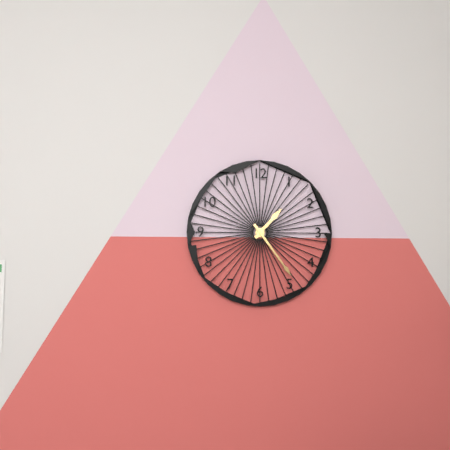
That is **1:24**
